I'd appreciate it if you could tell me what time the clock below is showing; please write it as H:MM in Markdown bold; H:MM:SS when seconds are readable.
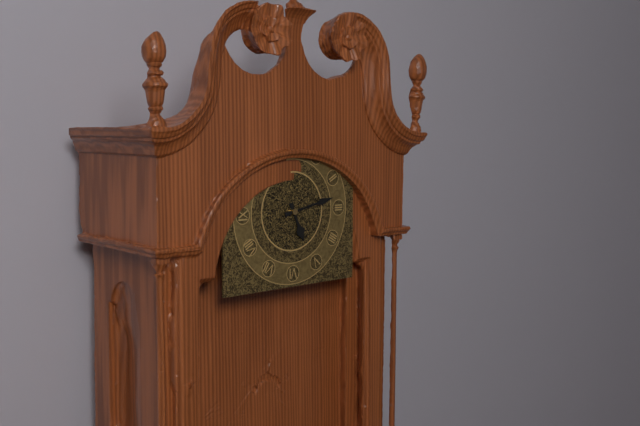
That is **5:13**
